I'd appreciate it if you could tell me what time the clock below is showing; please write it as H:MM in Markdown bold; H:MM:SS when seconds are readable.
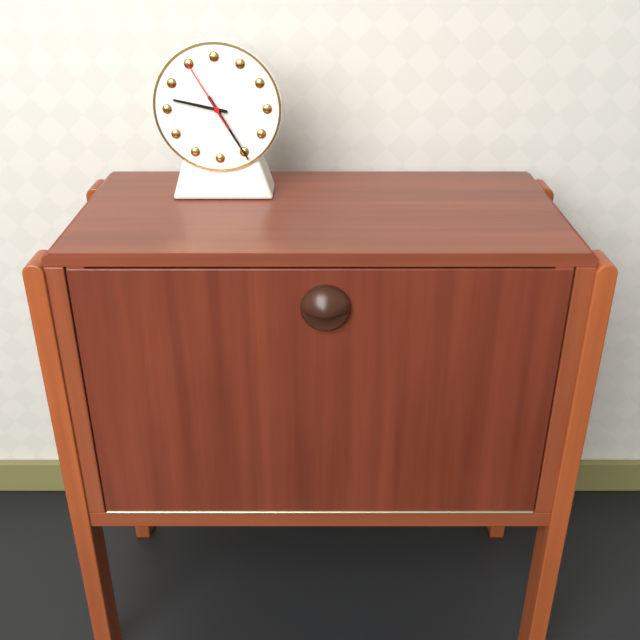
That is **9:25:55**
